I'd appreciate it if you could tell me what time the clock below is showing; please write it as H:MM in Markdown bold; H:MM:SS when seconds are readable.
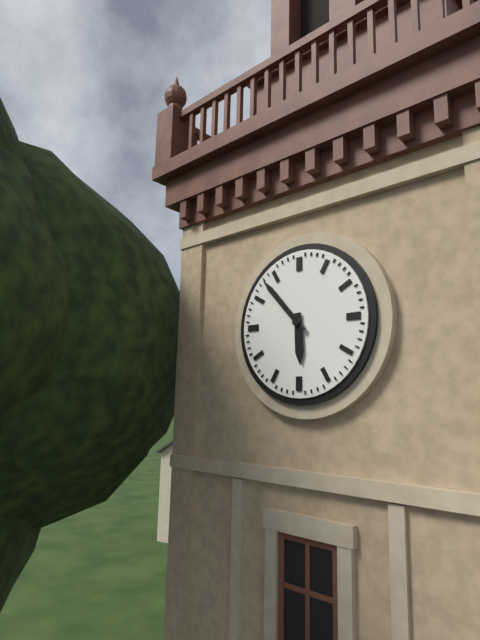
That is **5:53**
